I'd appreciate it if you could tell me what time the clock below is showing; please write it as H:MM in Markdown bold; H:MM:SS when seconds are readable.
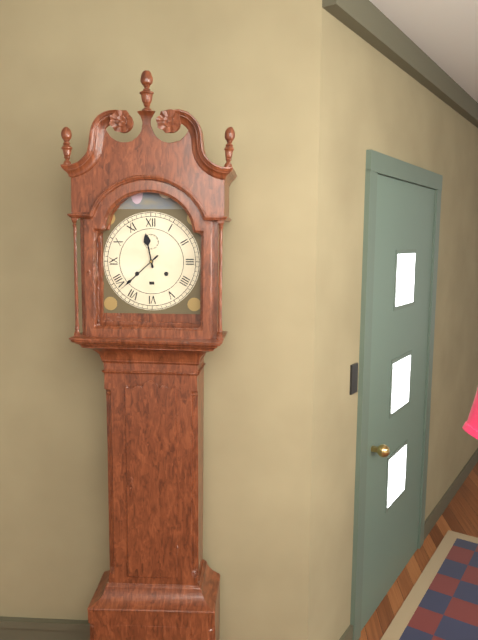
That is **11:38**
